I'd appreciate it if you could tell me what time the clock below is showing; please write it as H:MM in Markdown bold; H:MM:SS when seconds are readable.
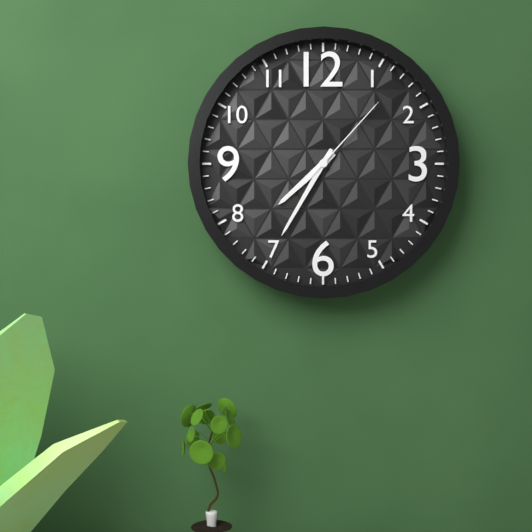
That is **7:35:07**
